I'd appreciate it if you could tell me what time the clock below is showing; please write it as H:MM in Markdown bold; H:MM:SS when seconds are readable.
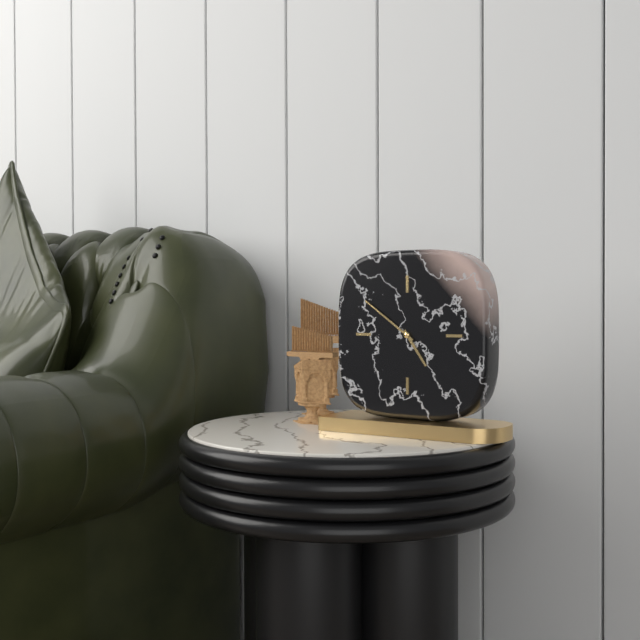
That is **4:51**
